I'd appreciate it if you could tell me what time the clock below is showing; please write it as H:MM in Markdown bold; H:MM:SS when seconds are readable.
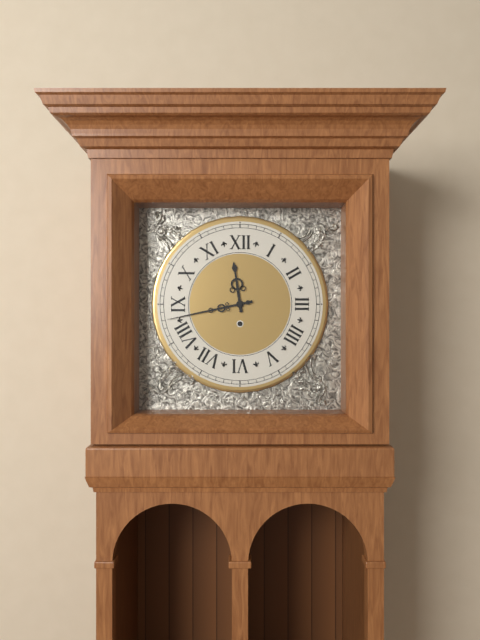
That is **11:43**
